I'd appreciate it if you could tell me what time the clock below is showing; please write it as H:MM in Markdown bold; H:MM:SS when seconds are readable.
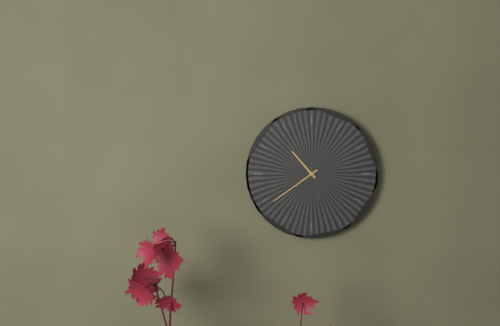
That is **10:39**
